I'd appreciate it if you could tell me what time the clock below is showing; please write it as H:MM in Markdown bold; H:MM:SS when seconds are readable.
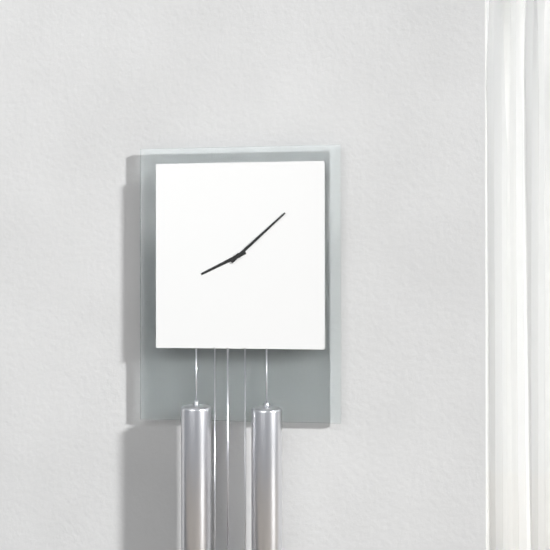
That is **8:08**
